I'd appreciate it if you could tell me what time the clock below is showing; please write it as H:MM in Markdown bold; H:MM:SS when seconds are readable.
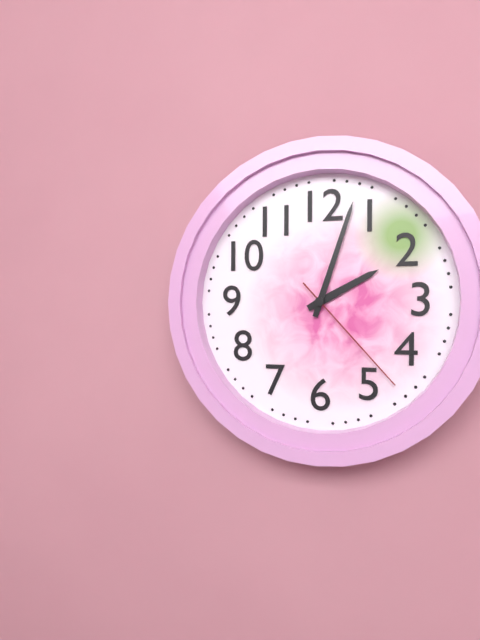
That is **2:03:23**
